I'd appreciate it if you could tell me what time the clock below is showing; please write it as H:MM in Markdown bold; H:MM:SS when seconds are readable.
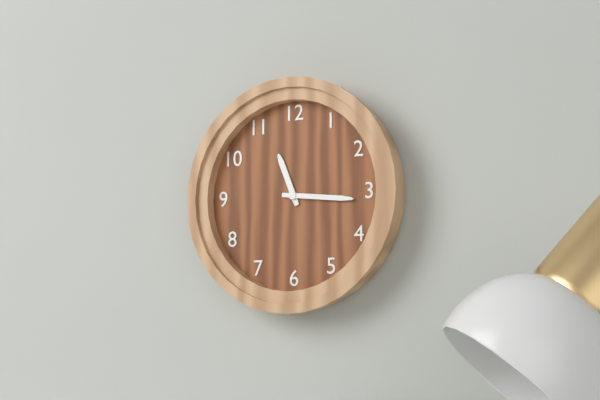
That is **11:16**
